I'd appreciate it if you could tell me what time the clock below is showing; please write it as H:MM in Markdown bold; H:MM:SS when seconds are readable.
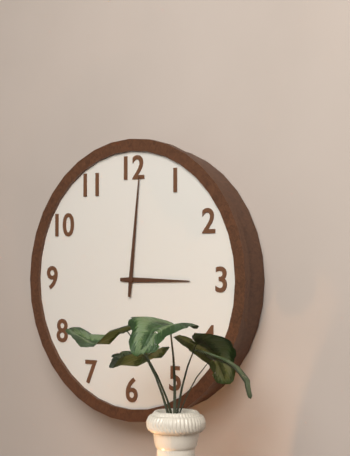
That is **3:01**
